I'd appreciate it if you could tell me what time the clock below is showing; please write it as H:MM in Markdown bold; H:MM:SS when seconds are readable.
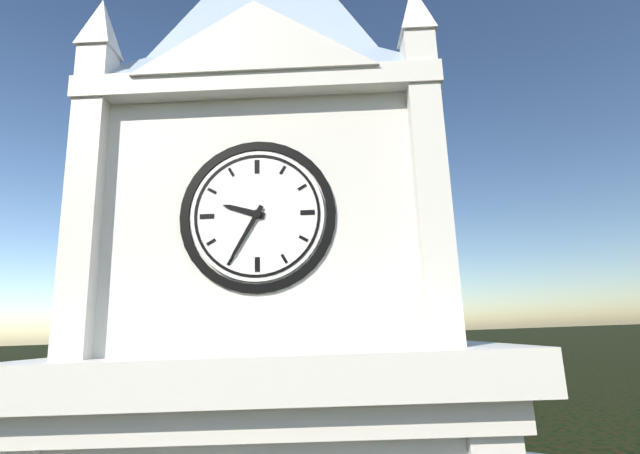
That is **9:35**
